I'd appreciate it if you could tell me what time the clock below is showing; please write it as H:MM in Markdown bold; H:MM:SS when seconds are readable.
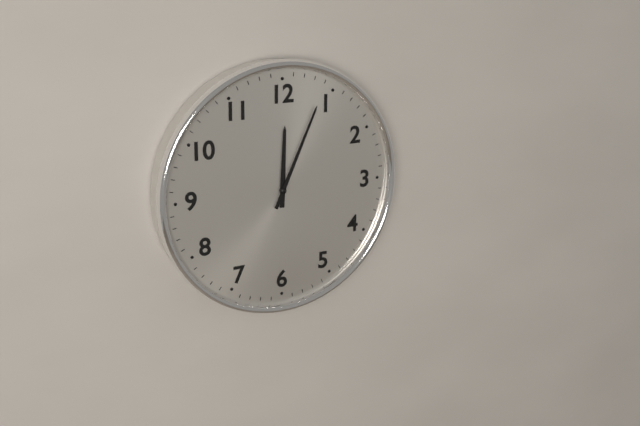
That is **12:04**
